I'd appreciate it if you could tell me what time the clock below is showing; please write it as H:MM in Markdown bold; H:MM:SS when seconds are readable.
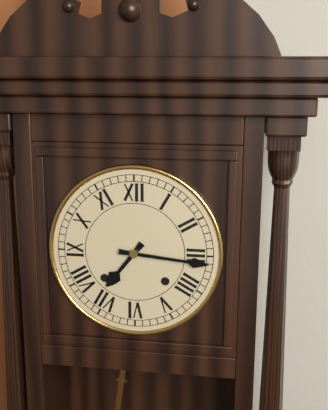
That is **7:16**
